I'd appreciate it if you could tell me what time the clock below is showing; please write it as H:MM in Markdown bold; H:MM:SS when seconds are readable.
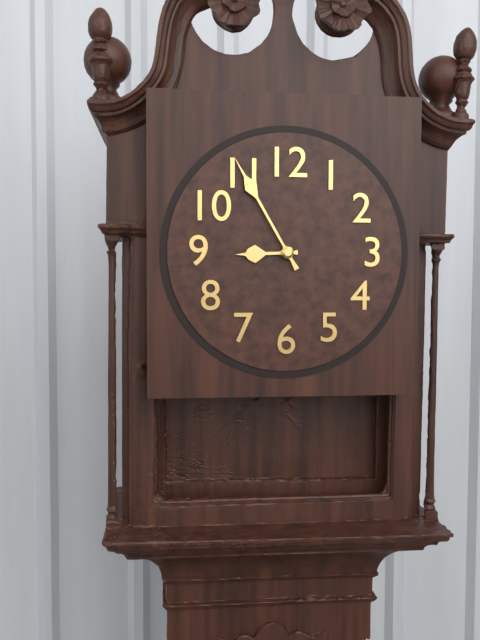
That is **8:55**
